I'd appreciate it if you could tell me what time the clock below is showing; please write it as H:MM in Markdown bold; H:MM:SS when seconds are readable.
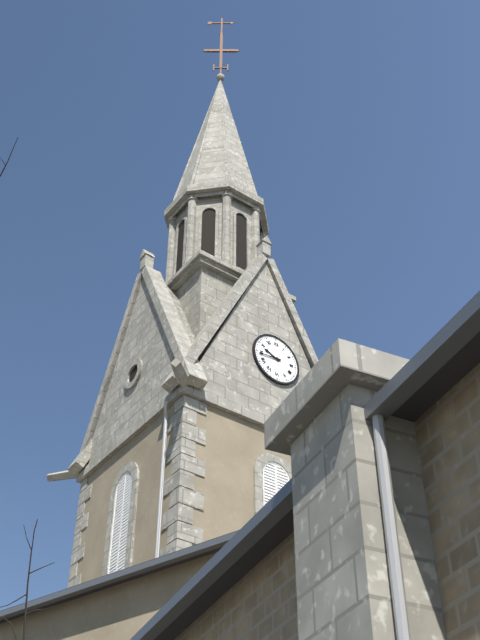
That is **9:44**
